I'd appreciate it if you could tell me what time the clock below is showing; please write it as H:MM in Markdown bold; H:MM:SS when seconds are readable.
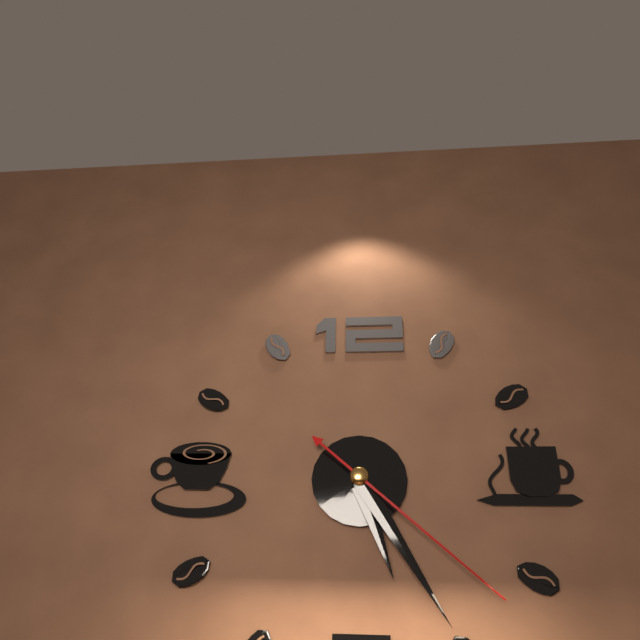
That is **5:25:22**
